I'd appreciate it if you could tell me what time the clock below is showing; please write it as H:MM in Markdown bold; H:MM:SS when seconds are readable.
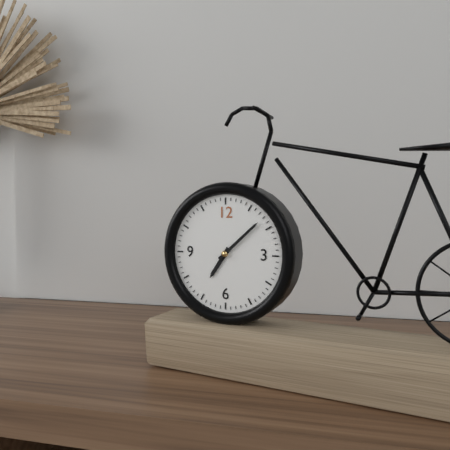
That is **7:08**
